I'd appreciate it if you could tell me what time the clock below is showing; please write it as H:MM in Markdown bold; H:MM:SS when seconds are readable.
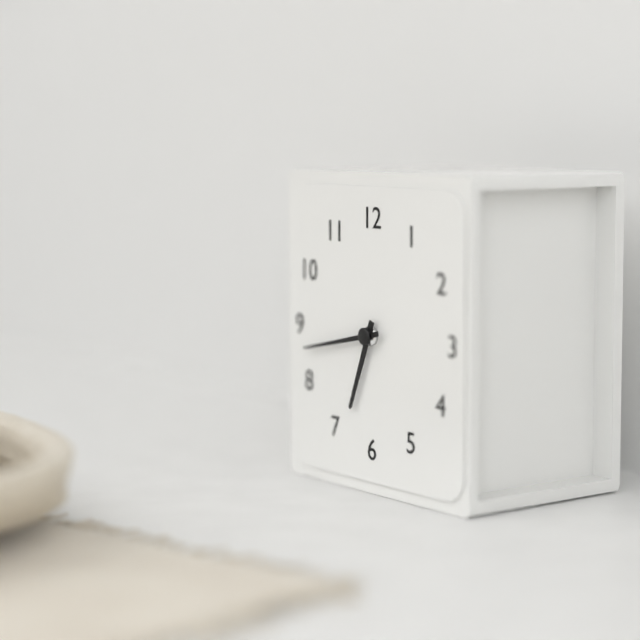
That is **6:43**
